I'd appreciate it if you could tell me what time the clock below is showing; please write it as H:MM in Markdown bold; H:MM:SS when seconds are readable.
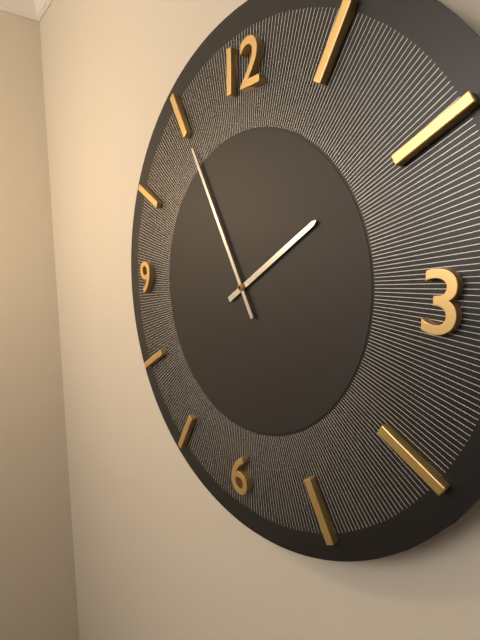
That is **1:55**
